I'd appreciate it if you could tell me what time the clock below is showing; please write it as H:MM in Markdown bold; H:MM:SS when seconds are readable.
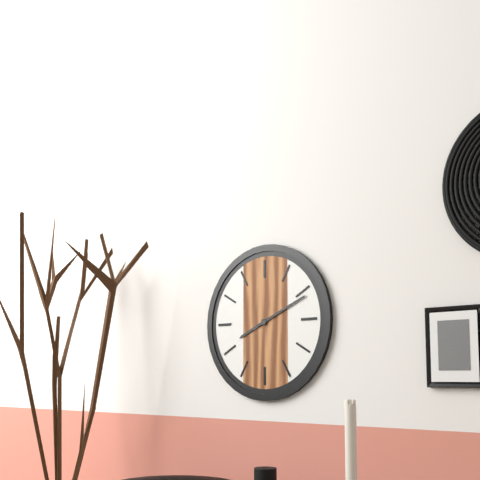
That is **8:11**
